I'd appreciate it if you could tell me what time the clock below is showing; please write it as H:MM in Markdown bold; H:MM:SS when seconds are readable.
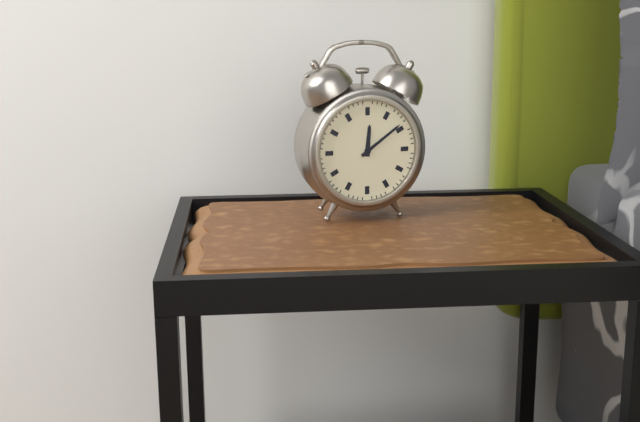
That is **12:09**
